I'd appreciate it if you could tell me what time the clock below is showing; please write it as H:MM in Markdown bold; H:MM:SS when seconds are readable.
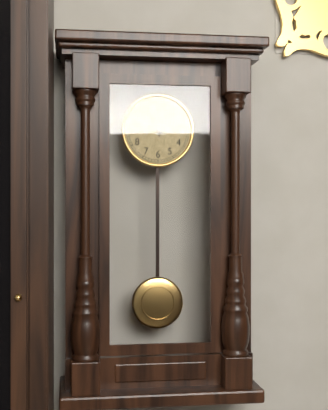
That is **9:58**
